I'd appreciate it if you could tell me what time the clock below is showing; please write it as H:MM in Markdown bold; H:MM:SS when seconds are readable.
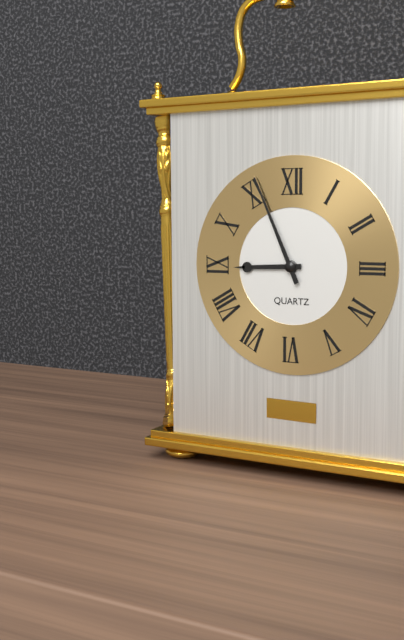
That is **8:56**
